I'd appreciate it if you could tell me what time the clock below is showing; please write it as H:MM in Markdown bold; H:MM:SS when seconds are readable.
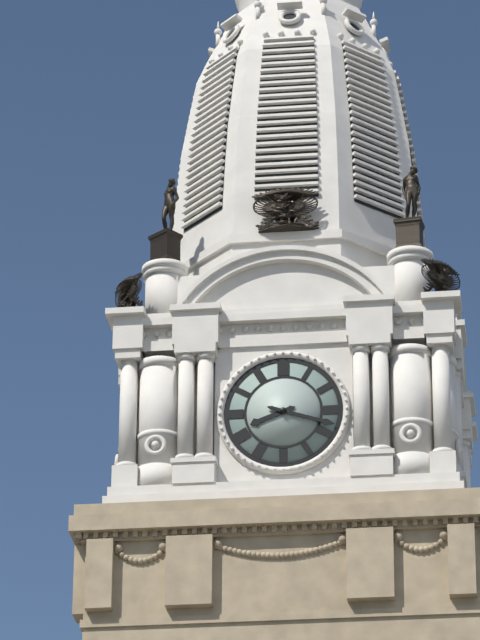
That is **8:18**
